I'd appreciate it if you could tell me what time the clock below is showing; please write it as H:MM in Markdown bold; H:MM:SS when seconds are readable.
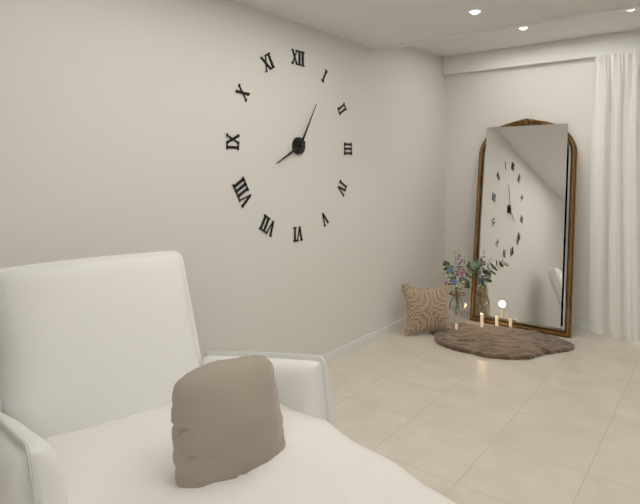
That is **8:05**
